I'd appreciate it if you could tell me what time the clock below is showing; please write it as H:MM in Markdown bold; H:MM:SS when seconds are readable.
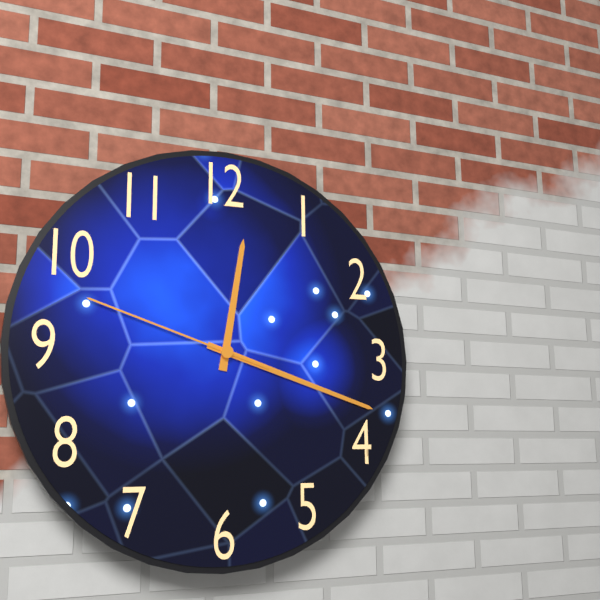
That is **12:18:48**
